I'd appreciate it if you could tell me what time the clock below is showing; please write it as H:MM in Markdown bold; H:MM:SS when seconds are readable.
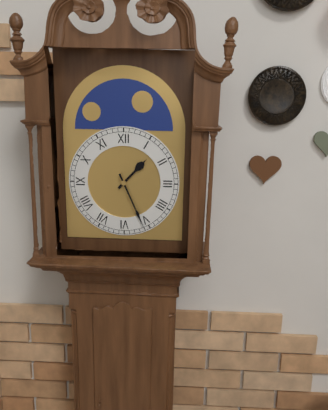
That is **1:26**
